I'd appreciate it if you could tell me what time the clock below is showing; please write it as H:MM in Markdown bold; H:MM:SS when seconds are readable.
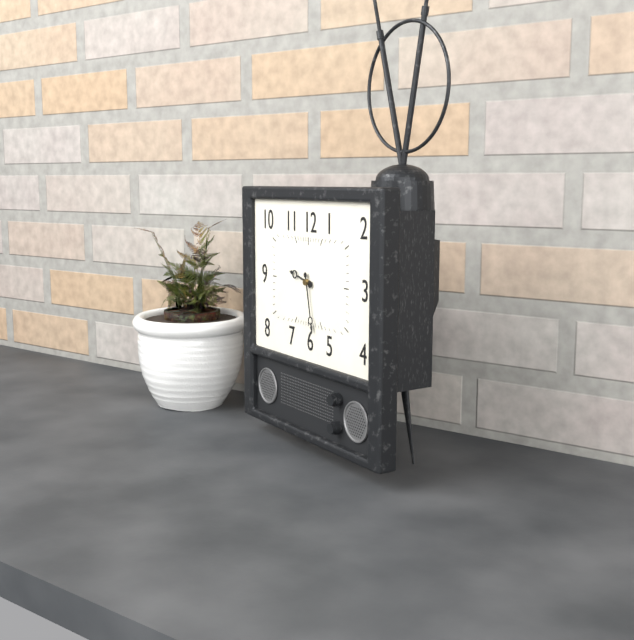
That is **9:28**
